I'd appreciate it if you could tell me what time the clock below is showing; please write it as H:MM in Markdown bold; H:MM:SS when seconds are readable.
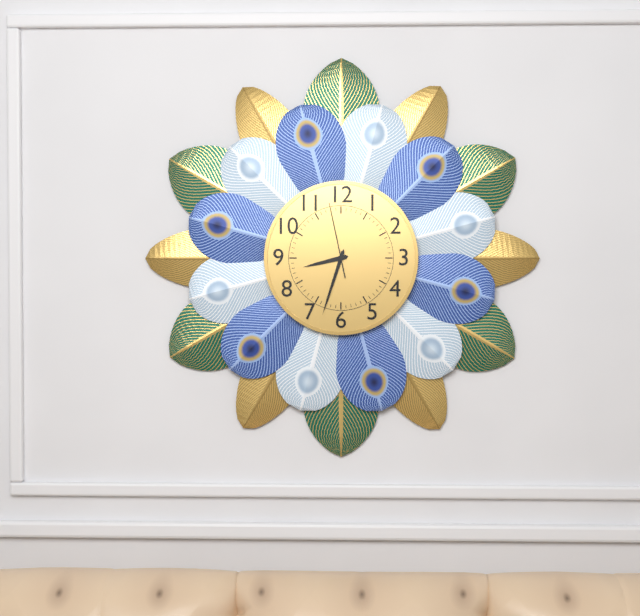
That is **8:33:58**
